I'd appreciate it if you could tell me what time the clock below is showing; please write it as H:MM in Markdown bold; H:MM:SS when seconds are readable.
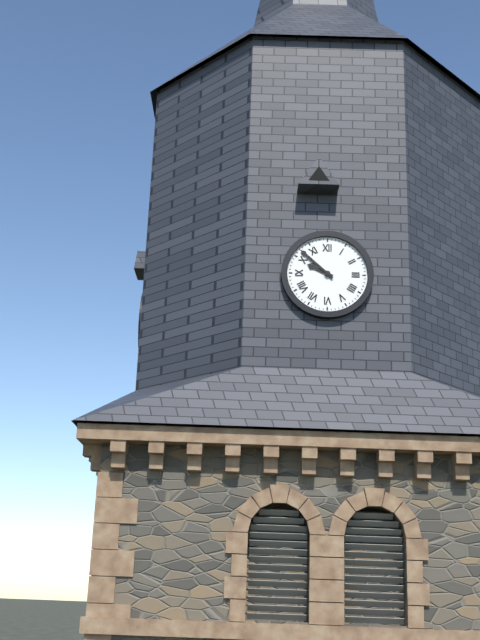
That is **9:52**
